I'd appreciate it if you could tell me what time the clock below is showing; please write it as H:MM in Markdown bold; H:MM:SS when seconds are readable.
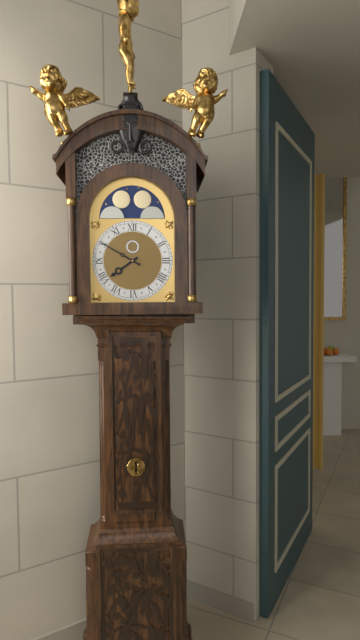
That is **7:50**
